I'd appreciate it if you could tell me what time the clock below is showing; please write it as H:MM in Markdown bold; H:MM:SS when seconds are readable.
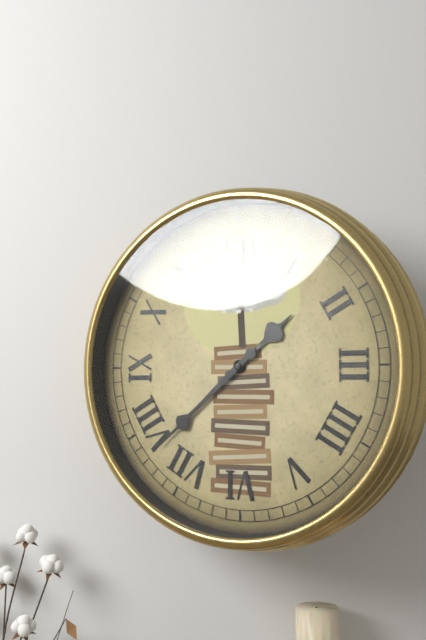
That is **1:38**
